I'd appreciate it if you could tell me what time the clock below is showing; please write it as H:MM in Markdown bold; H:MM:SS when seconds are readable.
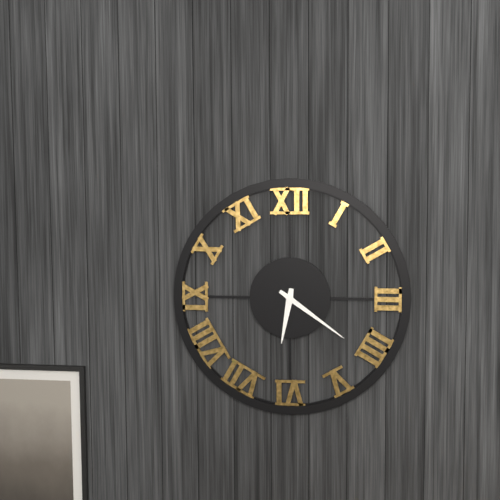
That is **6:21**
